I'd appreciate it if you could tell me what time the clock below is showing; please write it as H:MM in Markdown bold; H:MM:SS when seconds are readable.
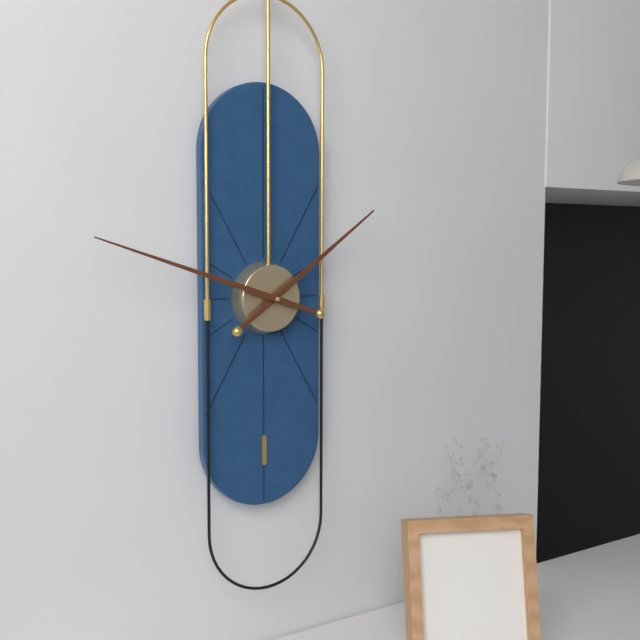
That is **1:48**
